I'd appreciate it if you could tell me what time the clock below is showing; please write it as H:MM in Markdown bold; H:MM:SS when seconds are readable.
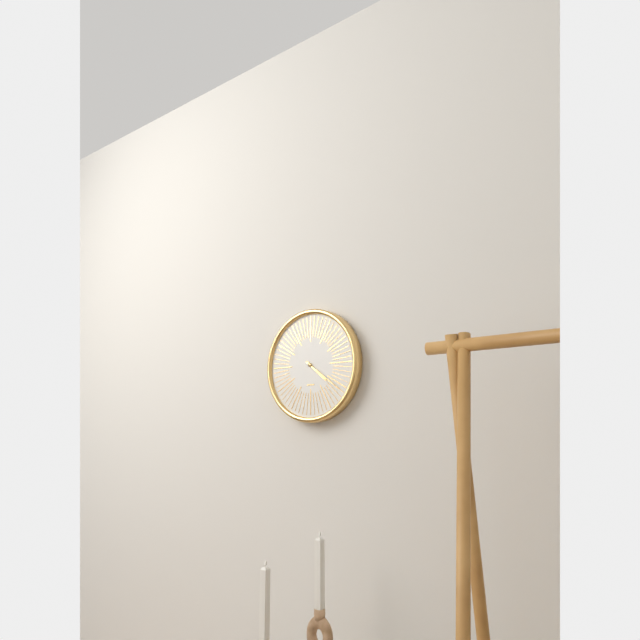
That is **4:21**
